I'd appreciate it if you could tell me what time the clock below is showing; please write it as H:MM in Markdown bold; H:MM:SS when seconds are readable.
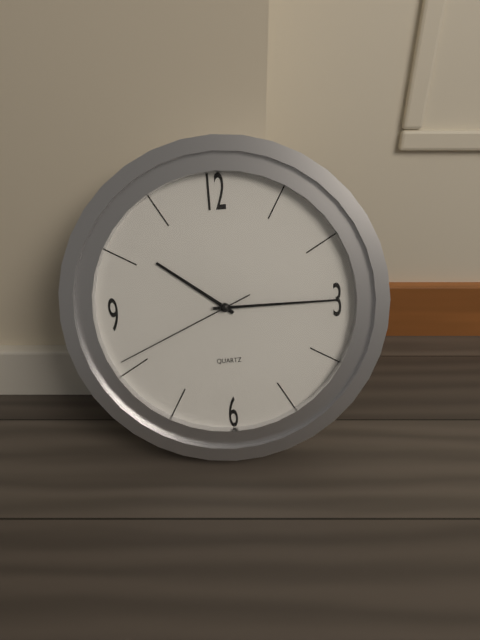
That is **10:15:41**
